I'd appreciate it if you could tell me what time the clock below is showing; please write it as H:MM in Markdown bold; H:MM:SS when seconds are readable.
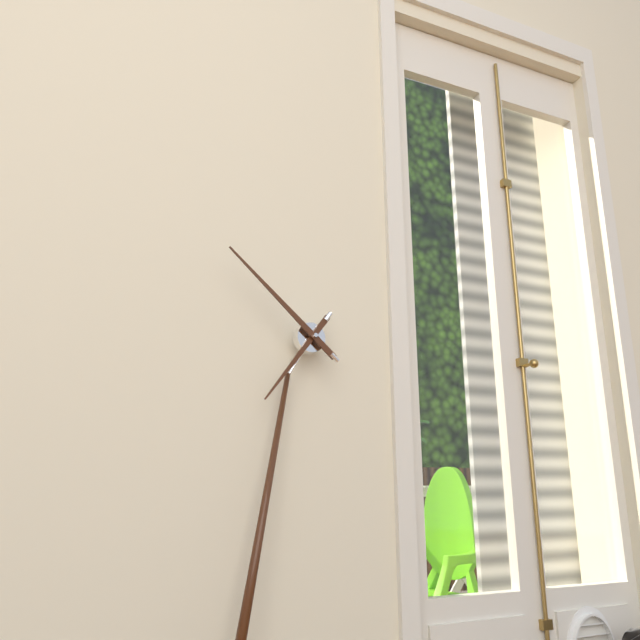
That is **6:50**
